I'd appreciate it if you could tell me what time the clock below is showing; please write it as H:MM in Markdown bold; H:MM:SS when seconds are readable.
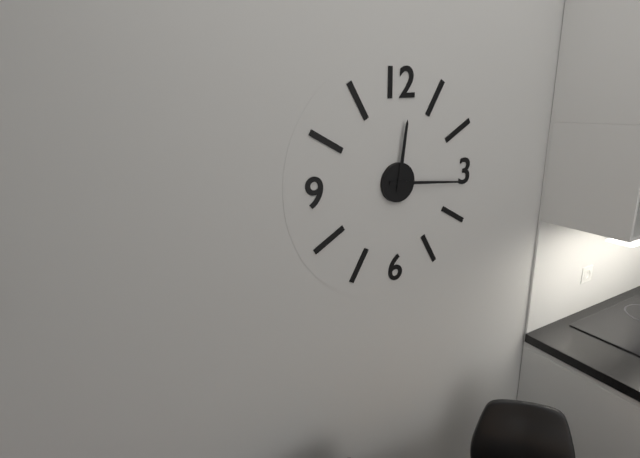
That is **12:16**
